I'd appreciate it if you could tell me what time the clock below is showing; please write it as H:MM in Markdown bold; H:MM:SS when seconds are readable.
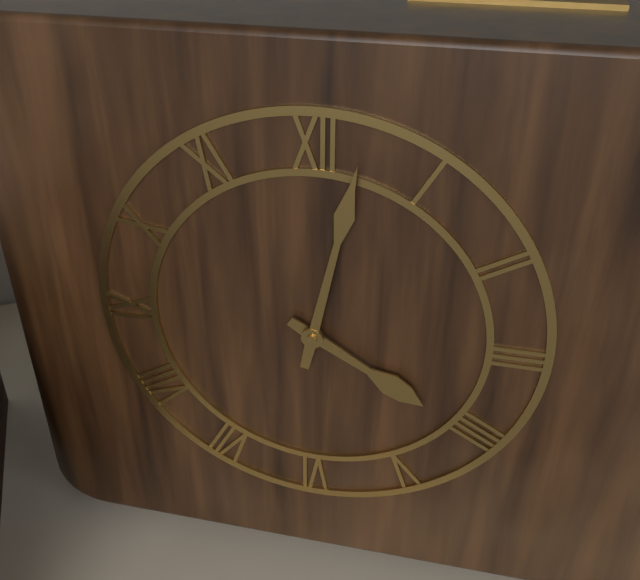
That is **4:02**
